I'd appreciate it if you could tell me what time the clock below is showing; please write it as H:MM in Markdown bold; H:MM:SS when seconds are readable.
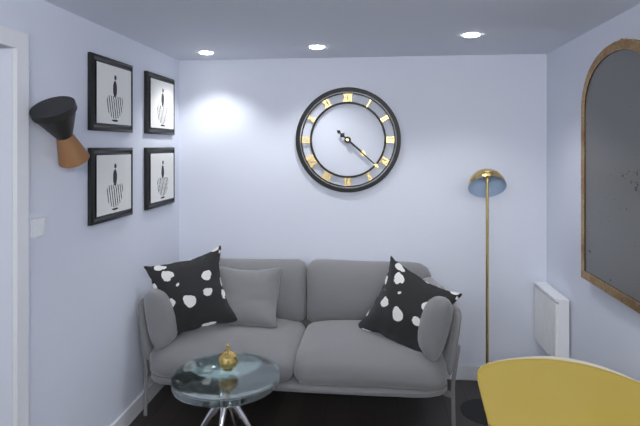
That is **4:22**
